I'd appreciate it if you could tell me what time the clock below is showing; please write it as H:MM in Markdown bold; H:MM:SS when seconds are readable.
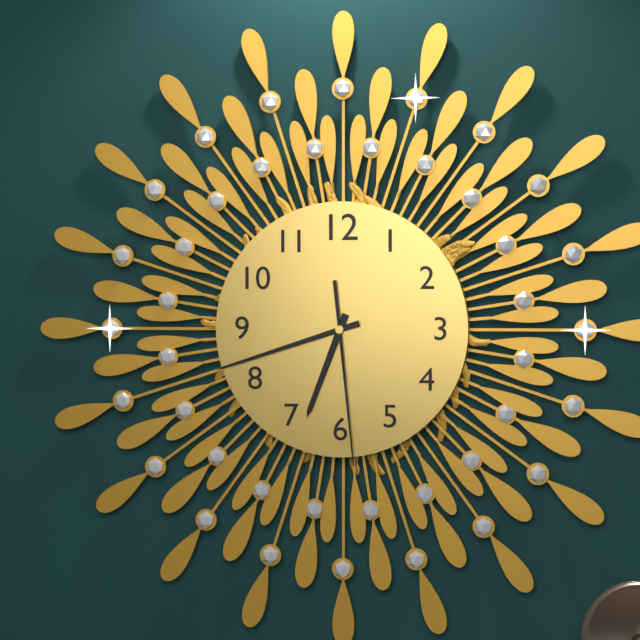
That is **6:42:29**
